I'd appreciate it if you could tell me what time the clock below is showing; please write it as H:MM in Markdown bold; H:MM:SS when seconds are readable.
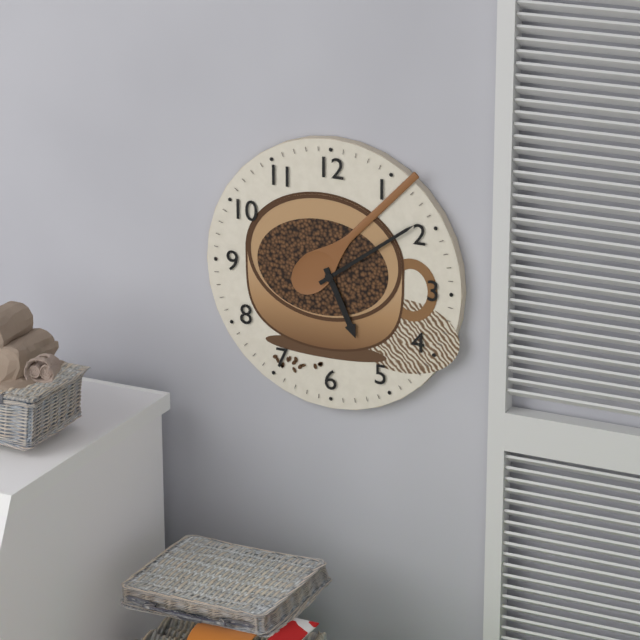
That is **5:09**
